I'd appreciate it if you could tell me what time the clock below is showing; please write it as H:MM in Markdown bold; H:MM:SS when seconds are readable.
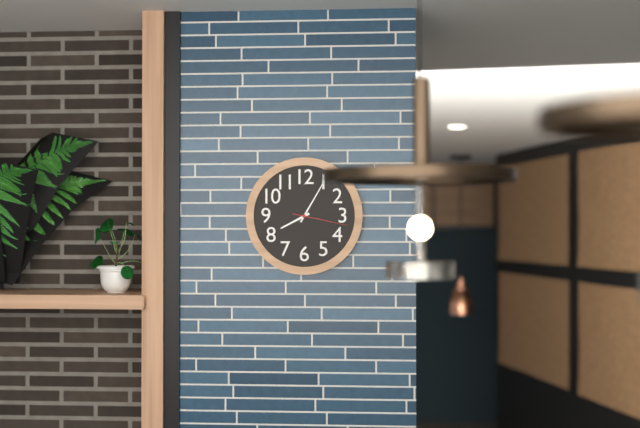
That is **8:05:17**
